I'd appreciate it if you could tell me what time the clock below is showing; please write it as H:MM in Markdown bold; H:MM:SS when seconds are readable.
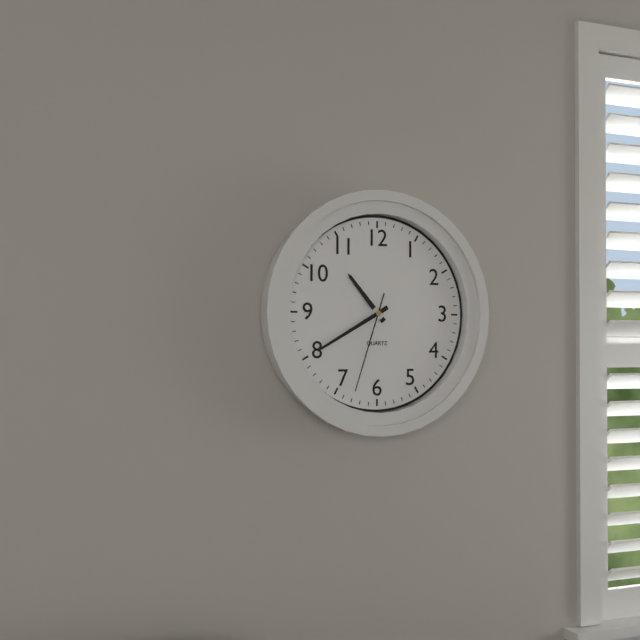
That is **10:40:33**
